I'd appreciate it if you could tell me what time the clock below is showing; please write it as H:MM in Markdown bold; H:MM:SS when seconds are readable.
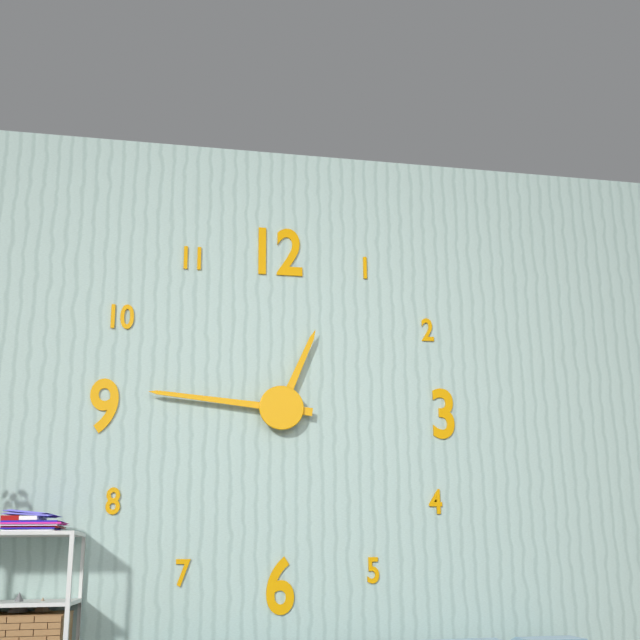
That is **12:46**
